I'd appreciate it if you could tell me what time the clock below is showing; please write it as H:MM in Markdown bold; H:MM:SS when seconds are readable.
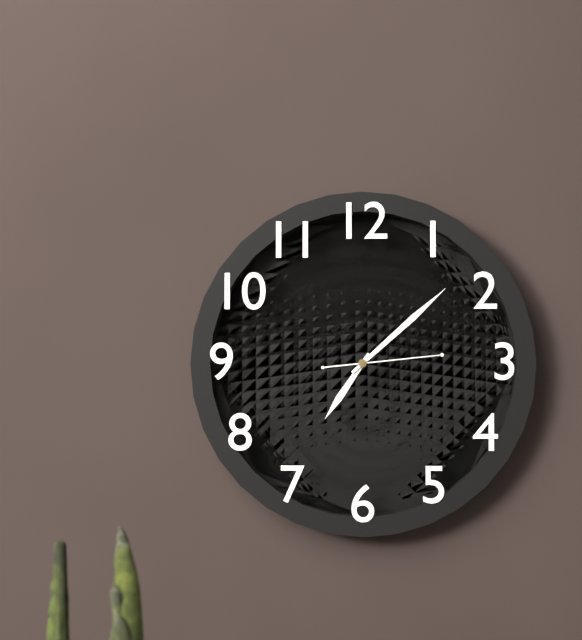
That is **7:08:14**
